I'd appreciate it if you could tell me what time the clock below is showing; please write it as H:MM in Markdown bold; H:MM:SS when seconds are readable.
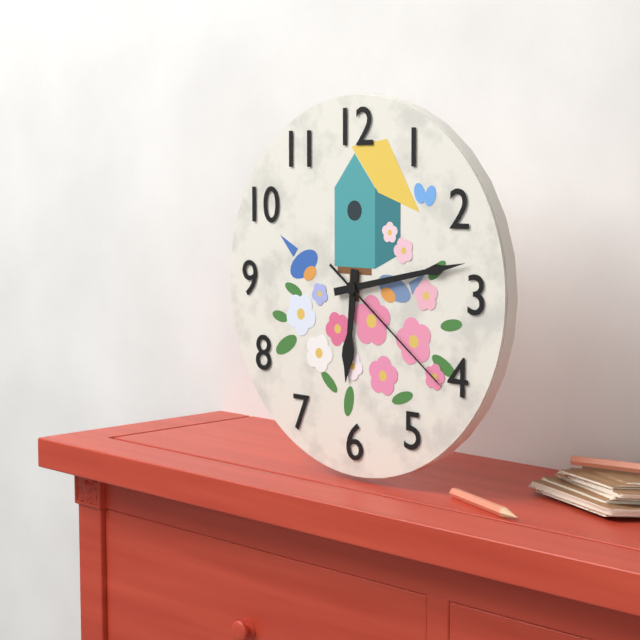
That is **6:13:21**
